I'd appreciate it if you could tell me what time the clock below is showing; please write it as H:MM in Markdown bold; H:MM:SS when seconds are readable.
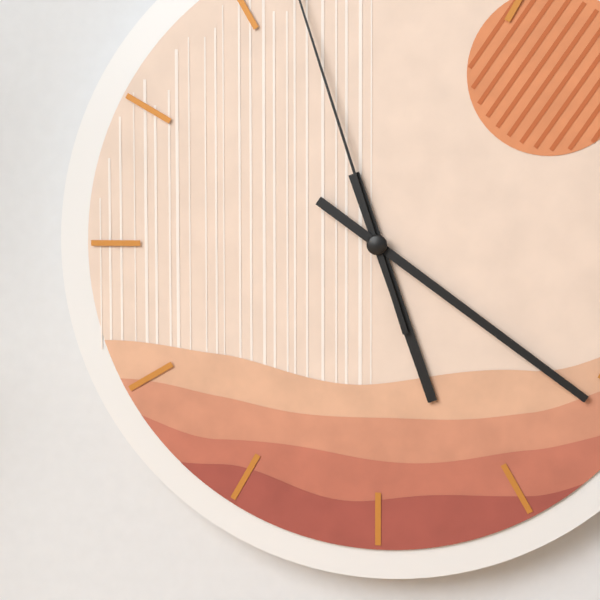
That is **5:21**
